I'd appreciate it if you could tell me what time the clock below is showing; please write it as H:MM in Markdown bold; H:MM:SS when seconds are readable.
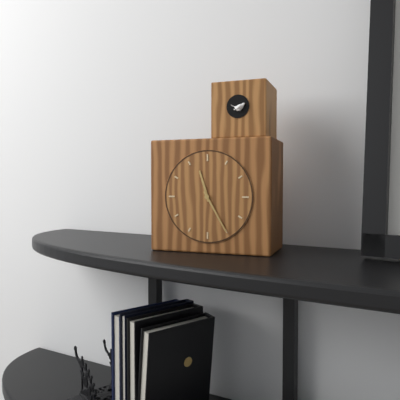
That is **11:25**
